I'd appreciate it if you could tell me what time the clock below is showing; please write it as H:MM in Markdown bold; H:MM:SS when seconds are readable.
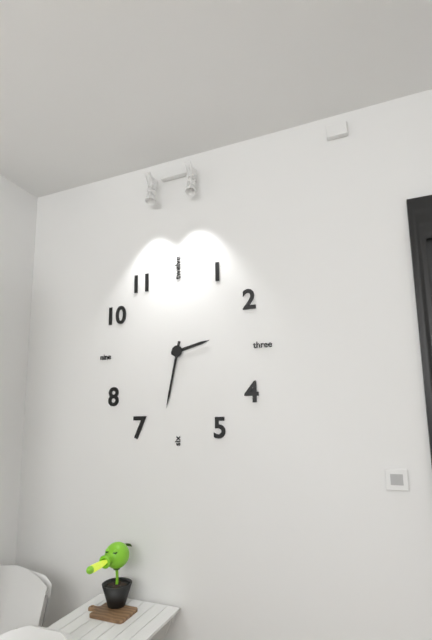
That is **2:32**
